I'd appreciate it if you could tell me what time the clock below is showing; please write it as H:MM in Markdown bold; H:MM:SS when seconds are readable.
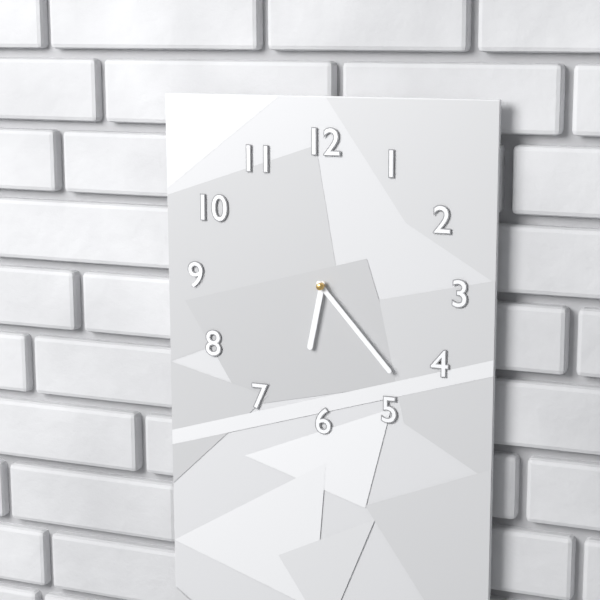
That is **6:23**
